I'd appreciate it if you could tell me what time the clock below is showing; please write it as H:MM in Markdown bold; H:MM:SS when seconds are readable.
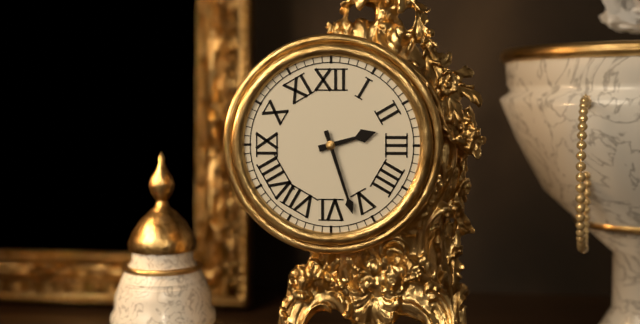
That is **2:27**
